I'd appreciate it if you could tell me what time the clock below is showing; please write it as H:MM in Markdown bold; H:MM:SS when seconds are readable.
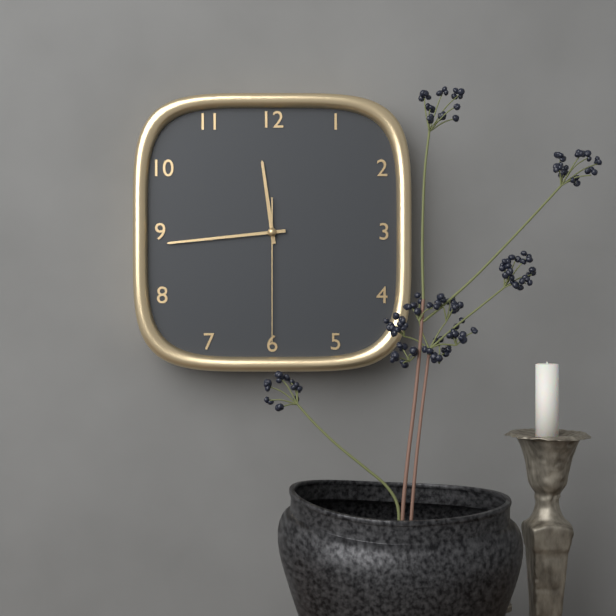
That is **11:44:30**
